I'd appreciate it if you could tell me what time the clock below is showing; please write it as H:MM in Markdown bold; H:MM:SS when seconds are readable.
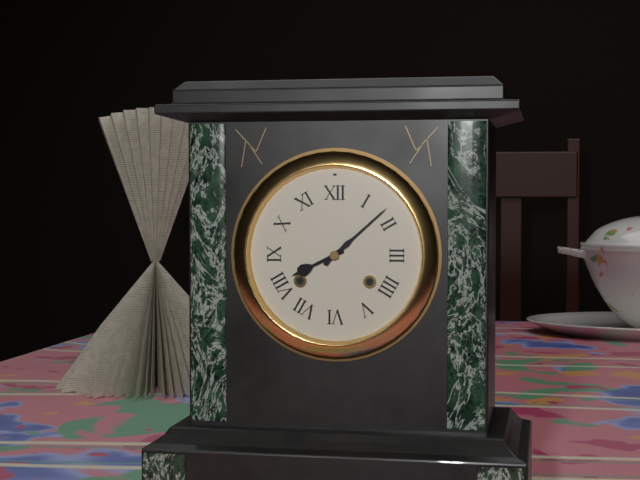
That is **8:08**
